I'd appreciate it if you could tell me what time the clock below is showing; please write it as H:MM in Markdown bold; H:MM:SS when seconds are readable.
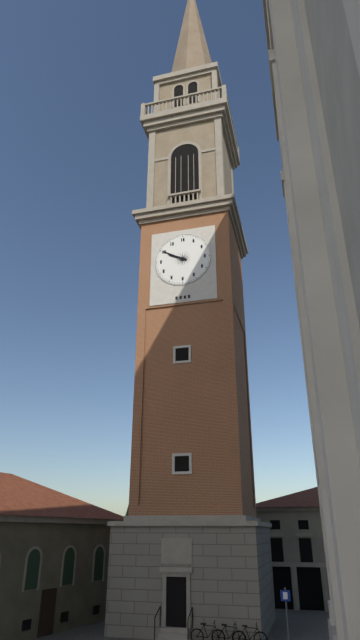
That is **9:50**
